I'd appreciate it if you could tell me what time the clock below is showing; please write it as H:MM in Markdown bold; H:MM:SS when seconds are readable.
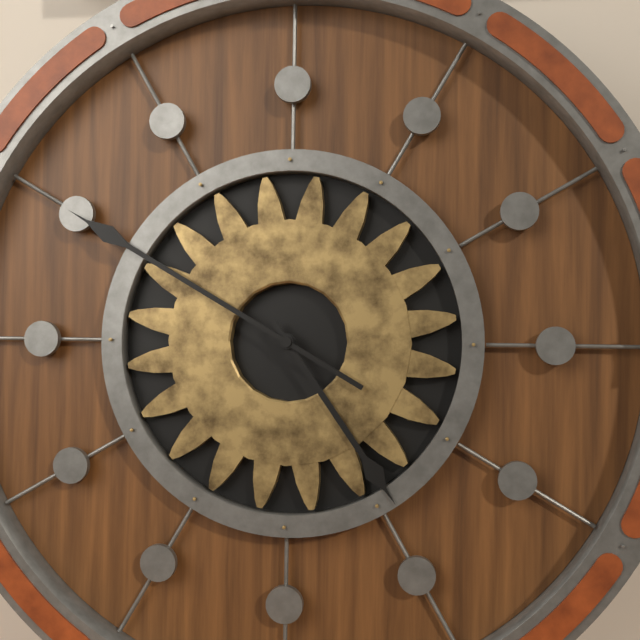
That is **4:50**
